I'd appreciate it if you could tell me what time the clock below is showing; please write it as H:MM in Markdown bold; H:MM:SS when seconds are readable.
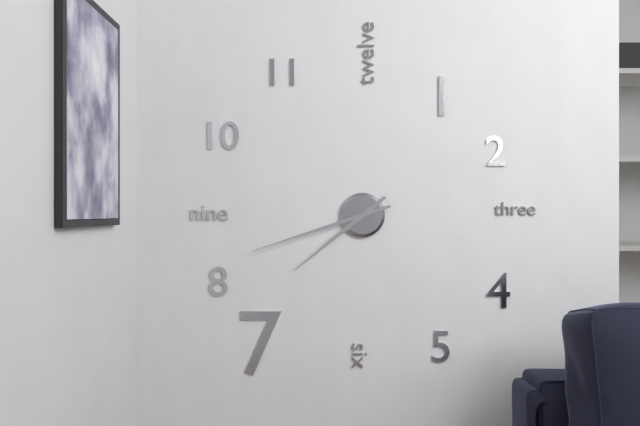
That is **7:42**
